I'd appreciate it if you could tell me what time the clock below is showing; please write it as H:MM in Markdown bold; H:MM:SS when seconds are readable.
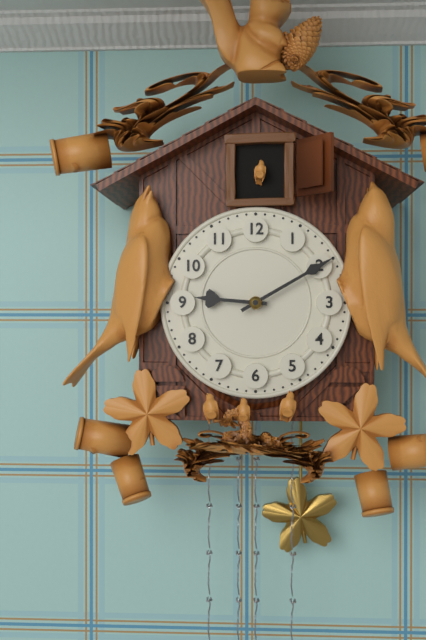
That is **9:10**
